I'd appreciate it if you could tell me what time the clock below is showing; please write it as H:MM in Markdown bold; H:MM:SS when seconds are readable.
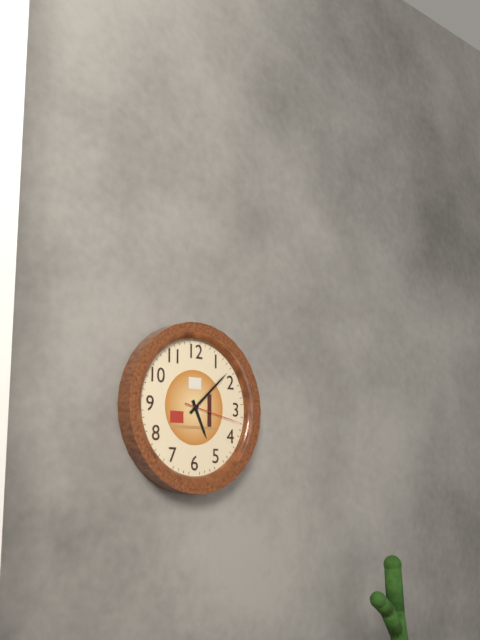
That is **5:08:17**
